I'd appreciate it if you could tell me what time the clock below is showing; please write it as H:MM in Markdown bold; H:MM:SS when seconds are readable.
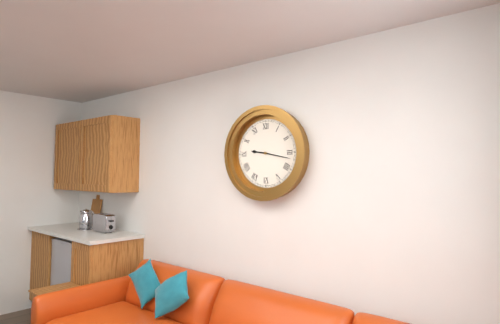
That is **9:17**
